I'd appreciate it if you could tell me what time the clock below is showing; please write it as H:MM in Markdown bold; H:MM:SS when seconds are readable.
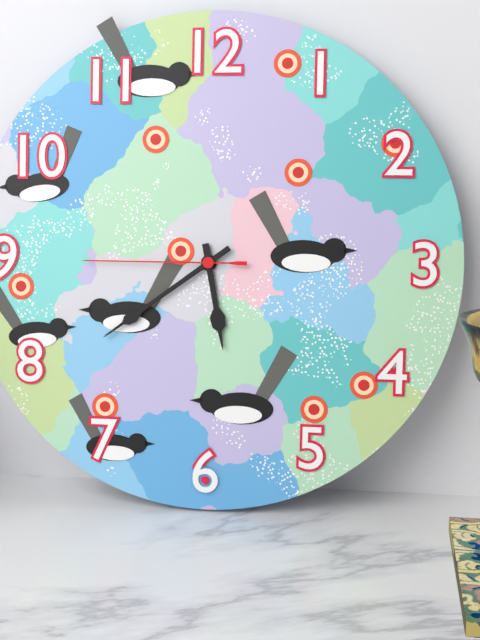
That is **5:39:45**
